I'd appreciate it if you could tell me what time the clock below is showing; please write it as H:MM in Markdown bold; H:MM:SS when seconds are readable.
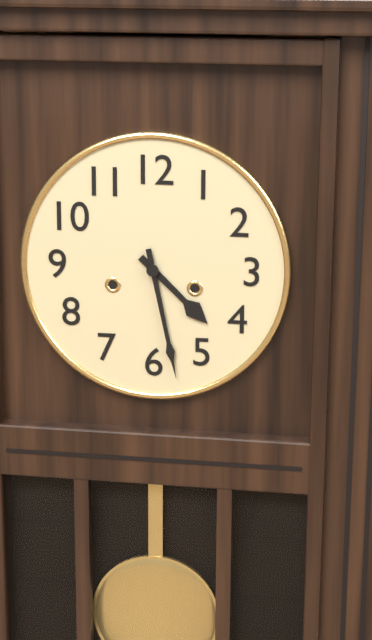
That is **4:28**
